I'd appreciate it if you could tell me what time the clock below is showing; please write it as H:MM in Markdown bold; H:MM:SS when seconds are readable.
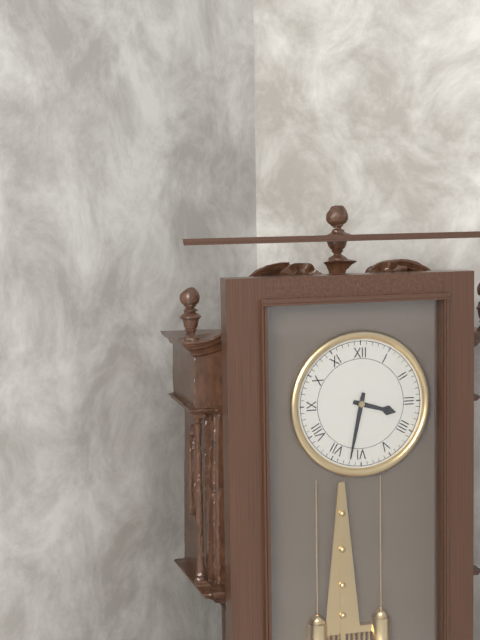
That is **3:32**
